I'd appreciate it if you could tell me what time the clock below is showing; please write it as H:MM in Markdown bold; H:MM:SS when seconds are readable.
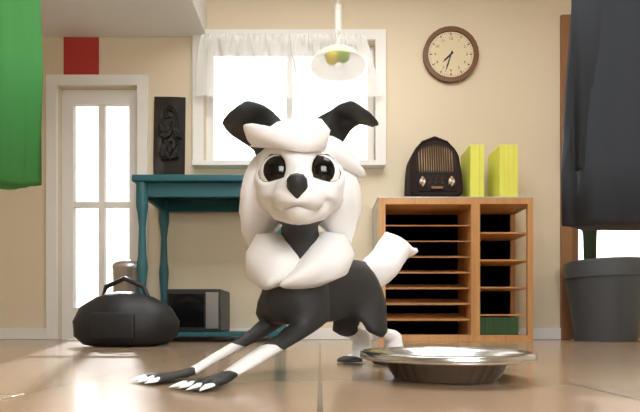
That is **7:33**
